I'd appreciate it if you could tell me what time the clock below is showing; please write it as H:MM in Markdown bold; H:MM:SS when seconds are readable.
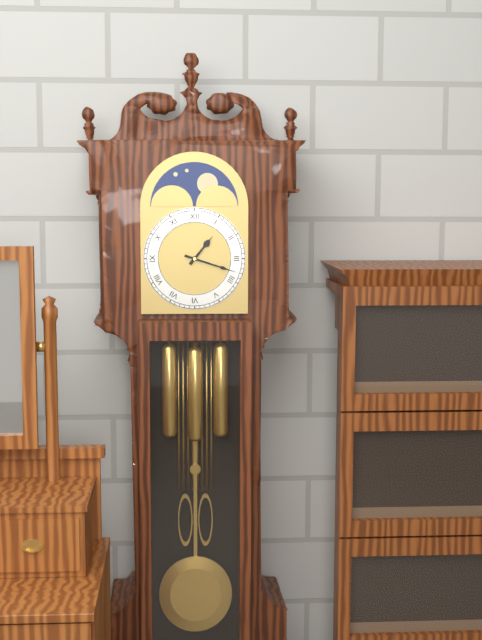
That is **1:18**
